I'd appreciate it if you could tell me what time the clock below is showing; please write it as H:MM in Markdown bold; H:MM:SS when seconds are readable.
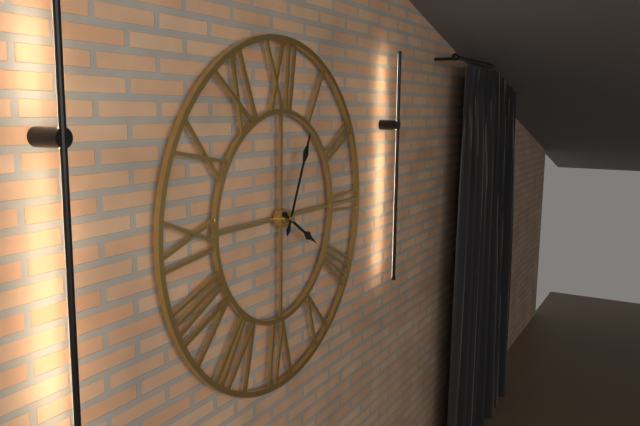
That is **4:04**
